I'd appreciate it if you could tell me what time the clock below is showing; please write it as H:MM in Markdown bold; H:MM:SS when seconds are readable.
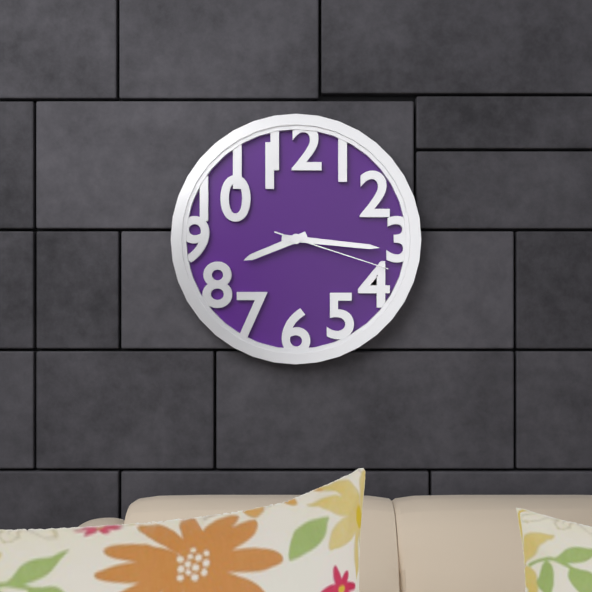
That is **8:16:18**
